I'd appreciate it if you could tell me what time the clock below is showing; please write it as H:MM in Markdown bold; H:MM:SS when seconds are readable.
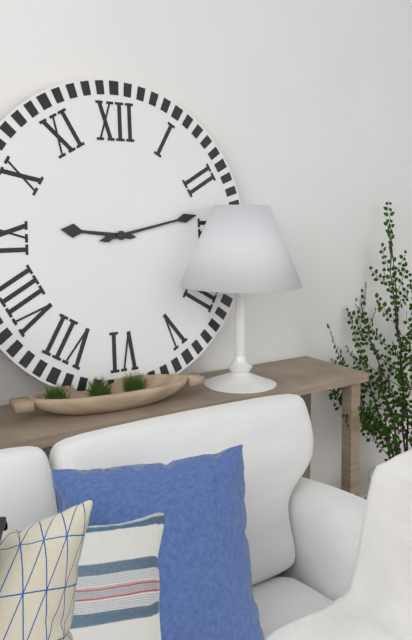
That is **9:13**
